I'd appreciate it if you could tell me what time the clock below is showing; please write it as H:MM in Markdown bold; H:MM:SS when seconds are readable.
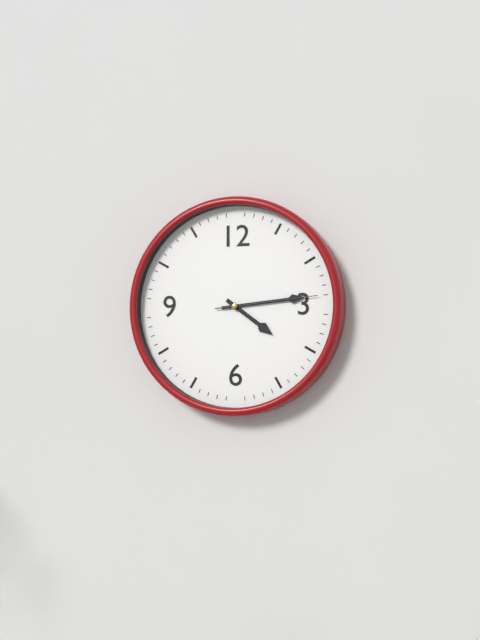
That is **4:14:14**
